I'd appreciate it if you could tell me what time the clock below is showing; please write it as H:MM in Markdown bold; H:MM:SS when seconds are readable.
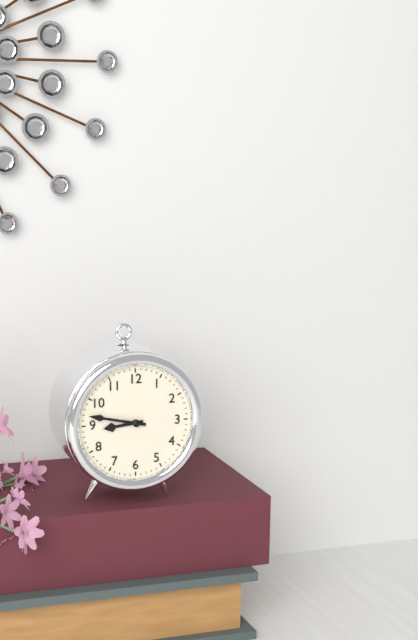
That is **8:47**
